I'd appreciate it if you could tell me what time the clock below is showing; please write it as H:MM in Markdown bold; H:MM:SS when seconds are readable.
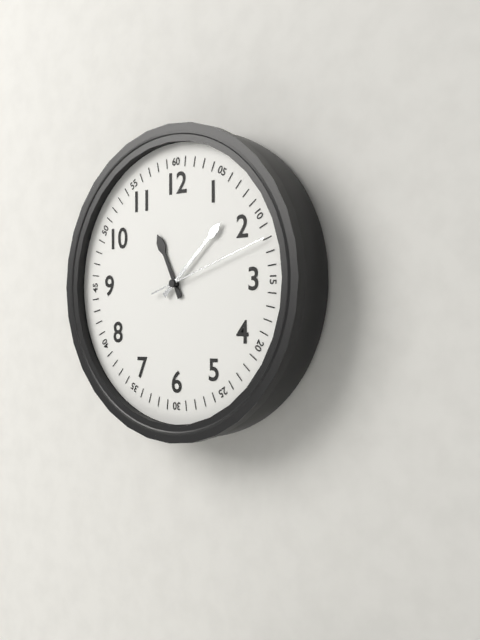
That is **11:08:12**
